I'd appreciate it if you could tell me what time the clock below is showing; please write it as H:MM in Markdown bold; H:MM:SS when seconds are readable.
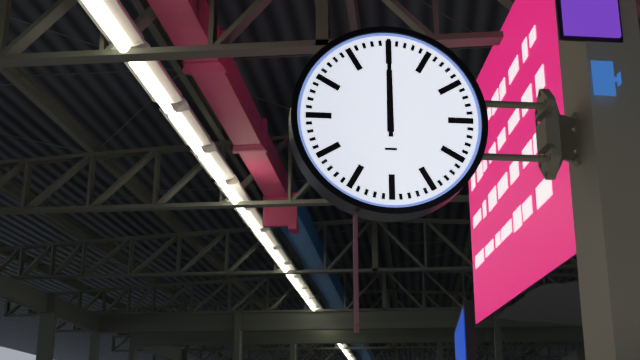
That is **12:00**
